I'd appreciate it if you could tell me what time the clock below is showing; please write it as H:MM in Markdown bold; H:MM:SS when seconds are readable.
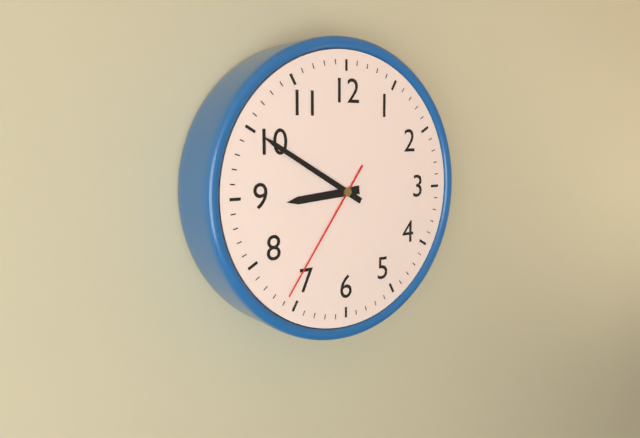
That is **8:50:36**
